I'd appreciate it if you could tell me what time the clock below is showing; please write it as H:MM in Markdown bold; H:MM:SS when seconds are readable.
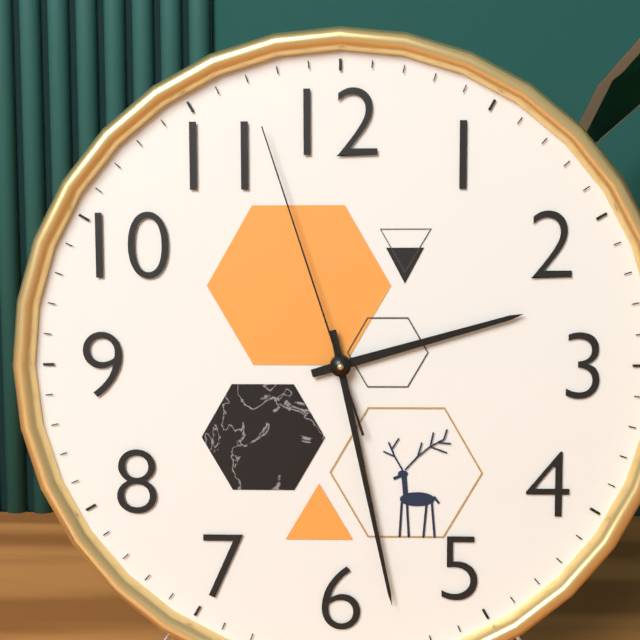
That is **2:28:57**
